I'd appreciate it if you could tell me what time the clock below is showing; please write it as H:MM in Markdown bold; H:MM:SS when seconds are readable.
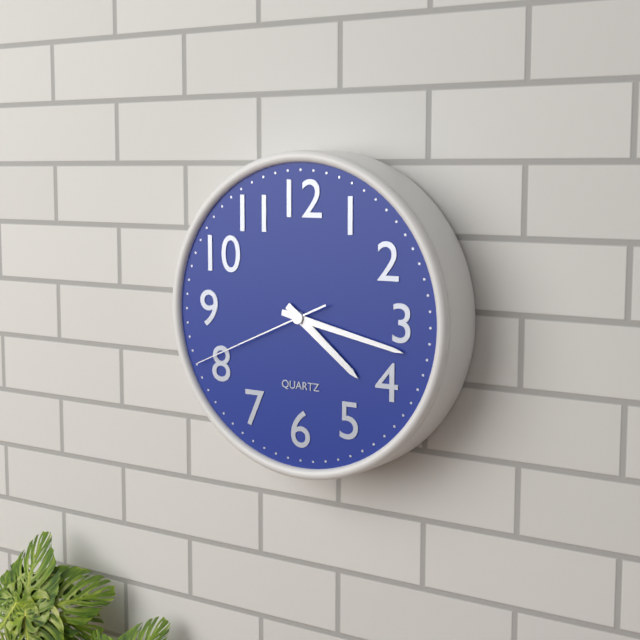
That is **4:17:41**
